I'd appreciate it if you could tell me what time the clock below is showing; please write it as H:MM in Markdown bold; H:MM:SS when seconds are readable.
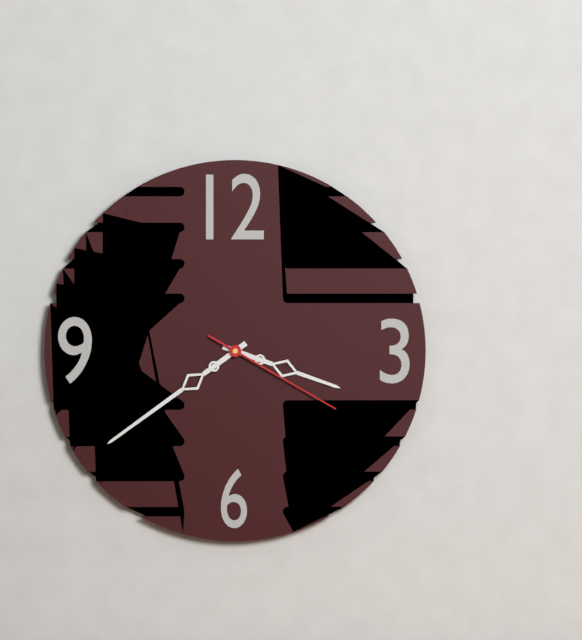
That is **3:39:20**
